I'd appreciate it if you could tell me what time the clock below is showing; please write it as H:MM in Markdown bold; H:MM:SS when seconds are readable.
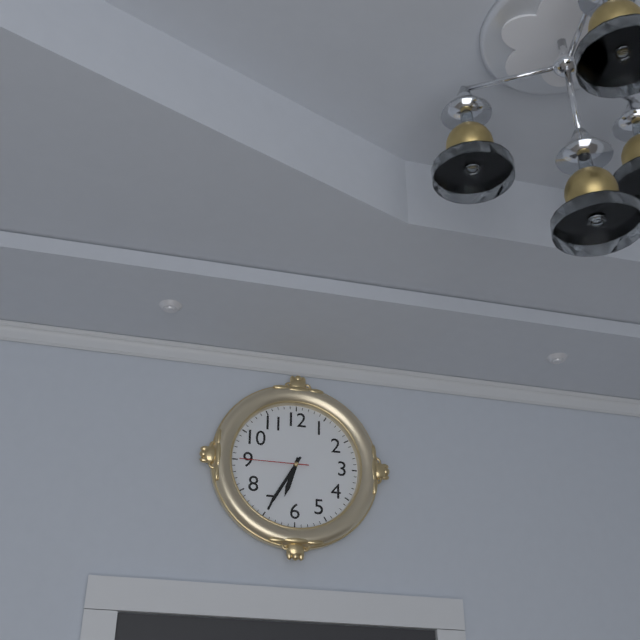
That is **6:35:45**
